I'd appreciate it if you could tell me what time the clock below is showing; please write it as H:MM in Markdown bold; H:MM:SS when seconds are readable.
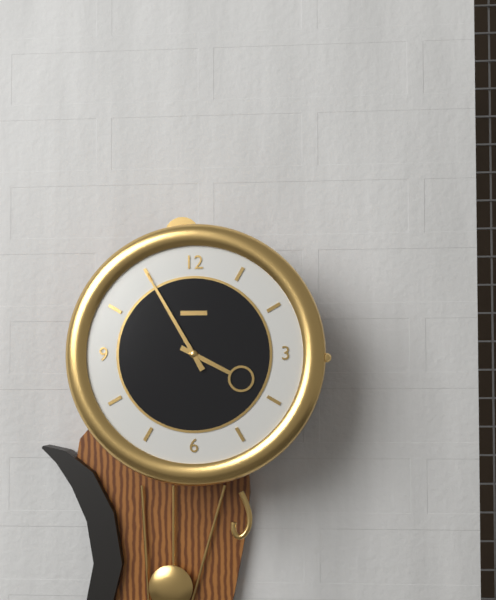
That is **3:55**
